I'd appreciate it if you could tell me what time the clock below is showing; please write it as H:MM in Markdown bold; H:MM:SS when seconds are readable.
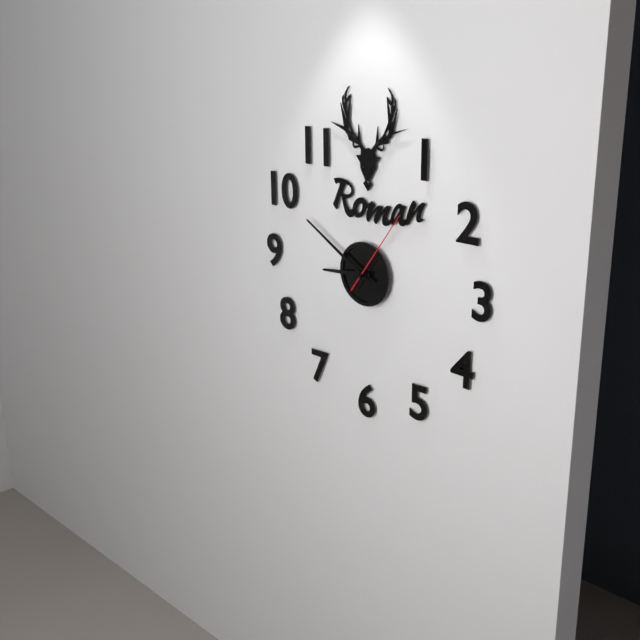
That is **8:50:06**
